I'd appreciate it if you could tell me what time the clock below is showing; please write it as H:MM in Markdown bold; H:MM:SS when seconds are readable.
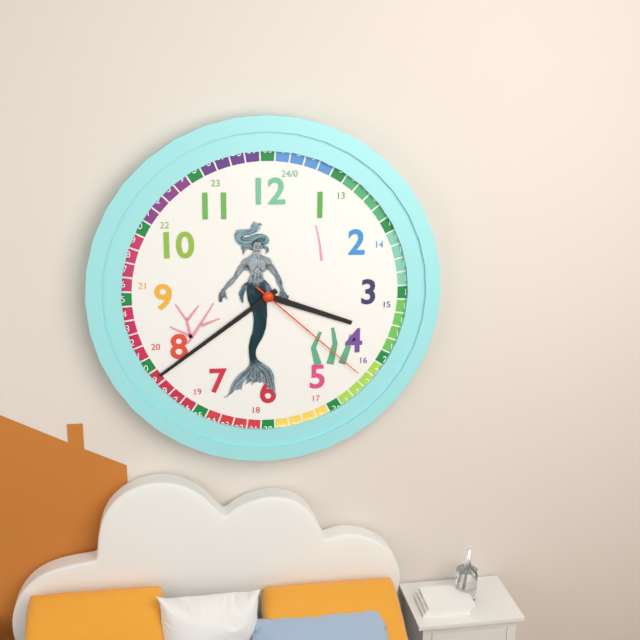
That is **3:39:22**
